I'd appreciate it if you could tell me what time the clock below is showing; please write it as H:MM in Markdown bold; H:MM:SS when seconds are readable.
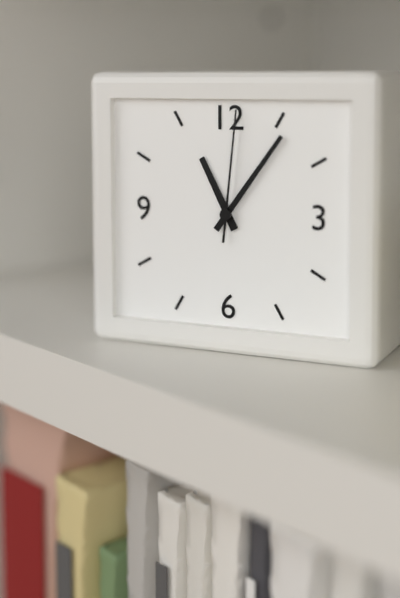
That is **11:06:01**
